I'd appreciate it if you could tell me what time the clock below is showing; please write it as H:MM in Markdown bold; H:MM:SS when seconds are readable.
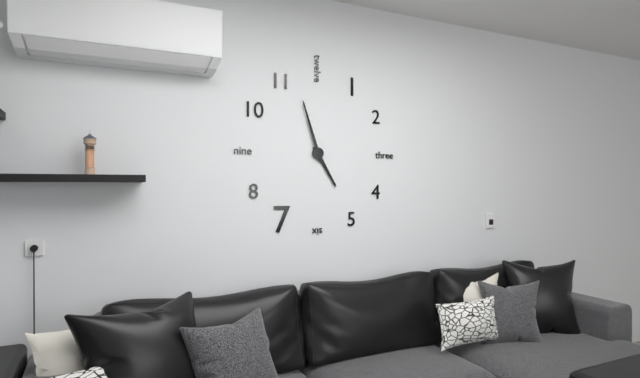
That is **4:57**
